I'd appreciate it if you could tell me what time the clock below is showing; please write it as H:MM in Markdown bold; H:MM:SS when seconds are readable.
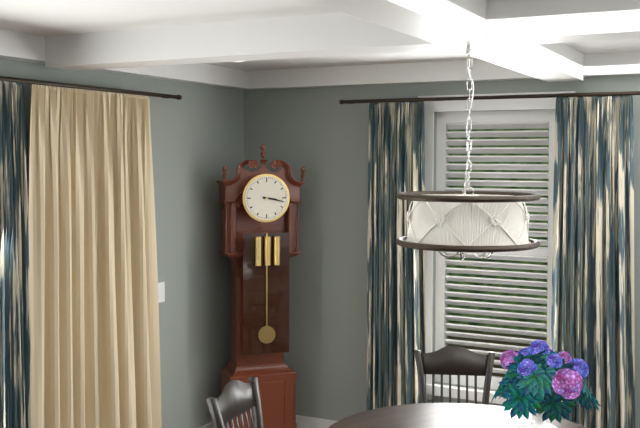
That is **3:17**
